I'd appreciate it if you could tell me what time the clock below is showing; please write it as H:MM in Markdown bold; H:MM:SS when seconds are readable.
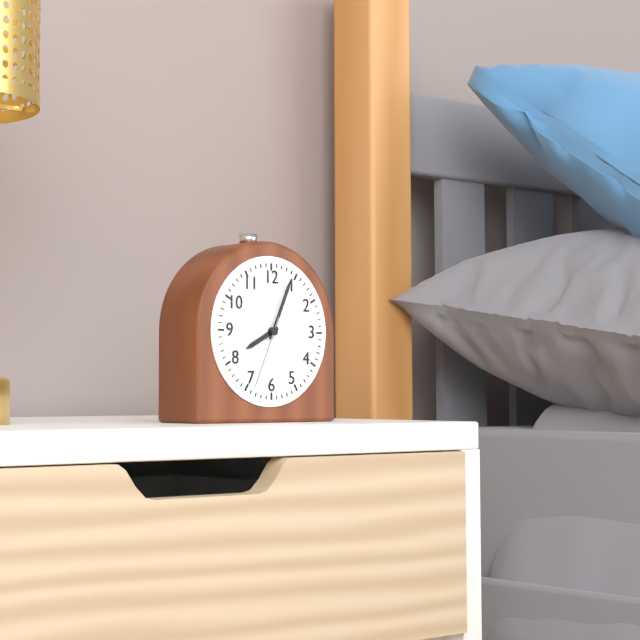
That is **8:04:34**
